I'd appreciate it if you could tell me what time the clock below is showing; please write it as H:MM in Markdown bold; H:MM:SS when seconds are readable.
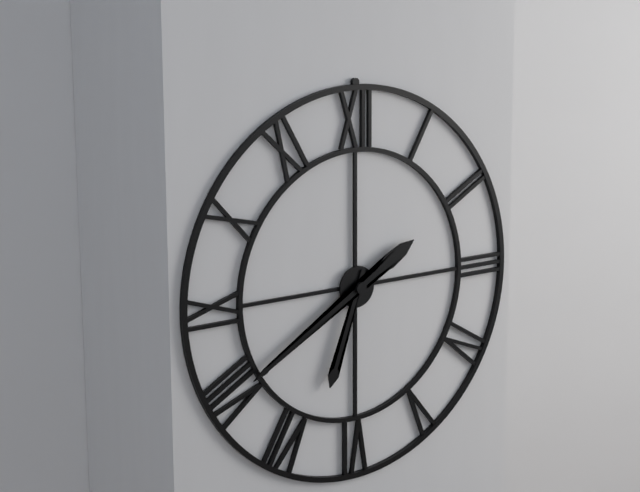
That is **6:40**
